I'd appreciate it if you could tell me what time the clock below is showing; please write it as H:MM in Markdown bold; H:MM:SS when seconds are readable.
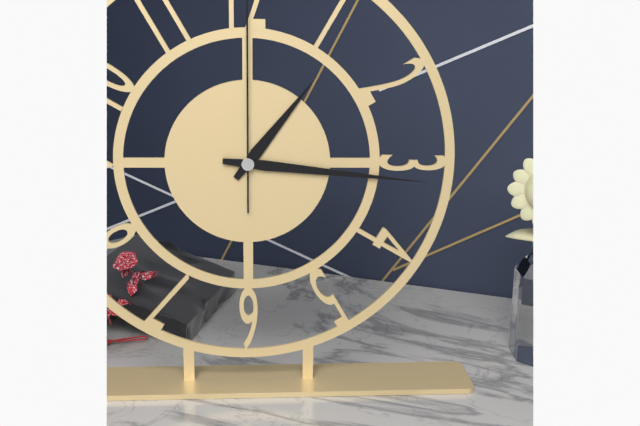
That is **1:16**
